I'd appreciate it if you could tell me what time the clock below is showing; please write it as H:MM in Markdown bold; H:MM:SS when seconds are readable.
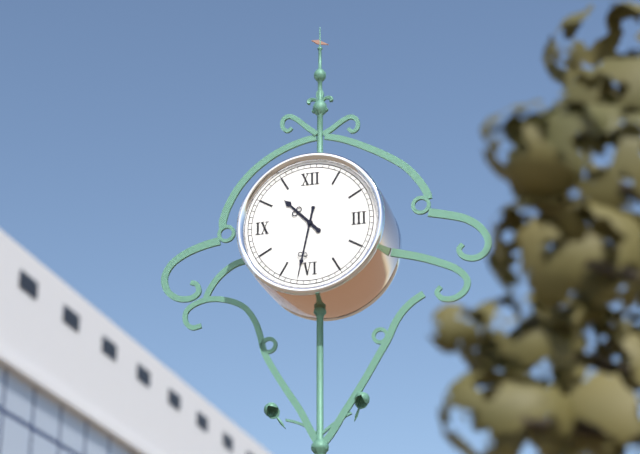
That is **10:32**
